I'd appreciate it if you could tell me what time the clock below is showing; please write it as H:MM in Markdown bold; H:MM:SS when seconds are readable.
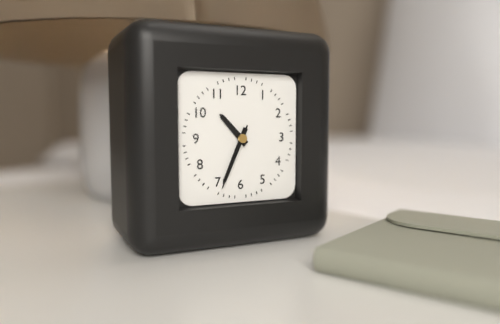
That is **10:34:34**
